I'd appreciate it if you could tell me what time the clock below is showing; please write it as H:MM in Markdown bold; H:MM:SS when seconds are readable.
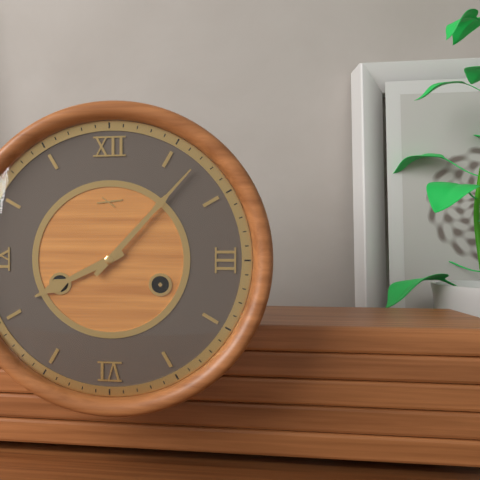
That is **8:07**
